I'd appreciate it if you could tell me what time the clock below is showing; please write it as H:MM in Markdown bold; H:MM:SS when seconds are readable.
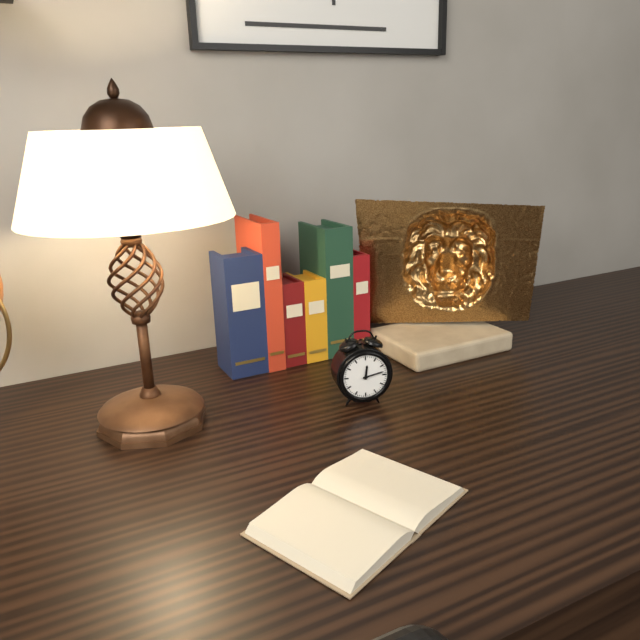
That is **12:13**
